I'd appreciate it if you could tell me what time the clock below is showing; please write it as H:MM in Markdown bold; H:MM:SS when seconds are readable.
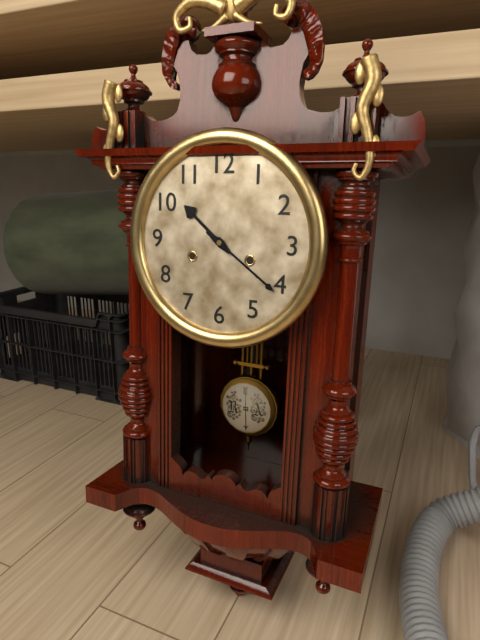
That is **10:21**
